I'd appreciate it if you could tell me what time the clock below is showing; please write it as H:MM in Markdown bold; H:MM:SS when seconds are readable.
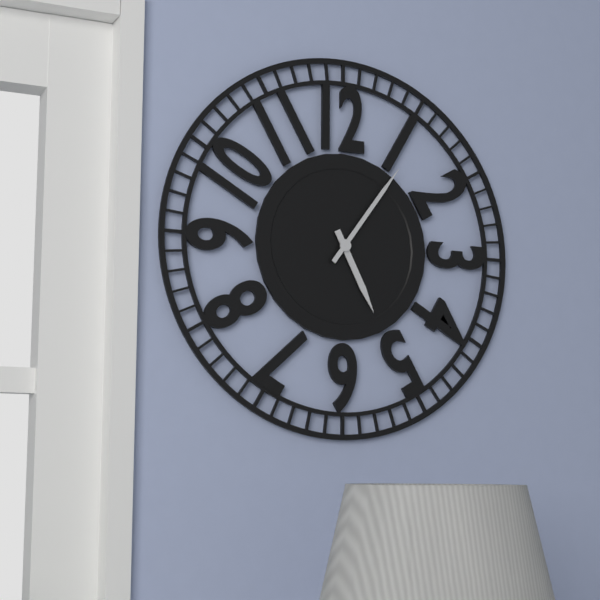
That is **5:06**
